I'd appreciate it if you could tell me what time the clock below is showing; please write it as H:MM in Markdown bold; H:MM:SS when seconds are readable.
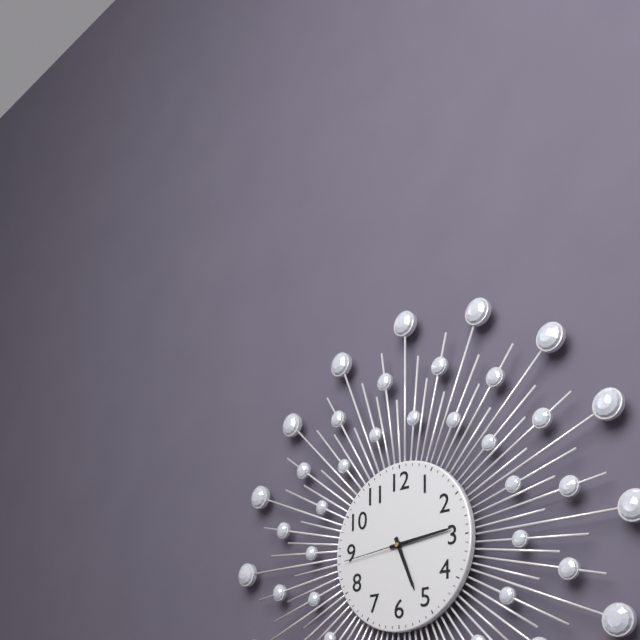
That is **5:14:44**
